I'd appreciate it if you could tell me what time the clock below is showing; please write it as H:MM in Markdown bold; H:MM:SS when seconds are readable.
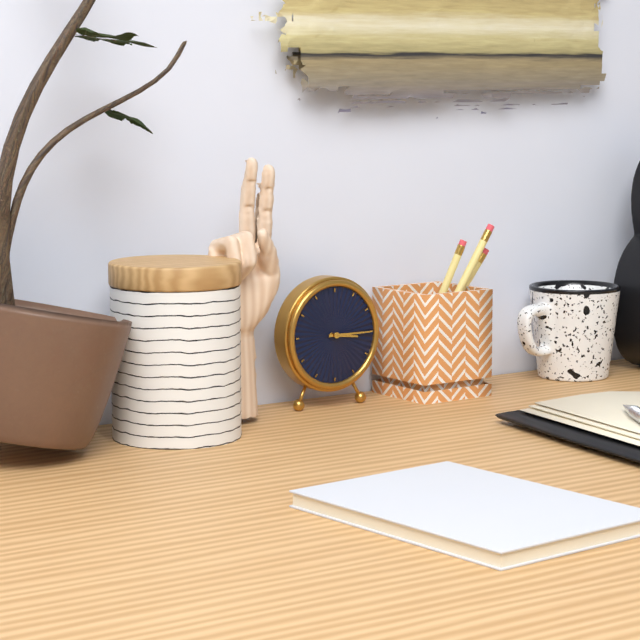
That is **3:15**
